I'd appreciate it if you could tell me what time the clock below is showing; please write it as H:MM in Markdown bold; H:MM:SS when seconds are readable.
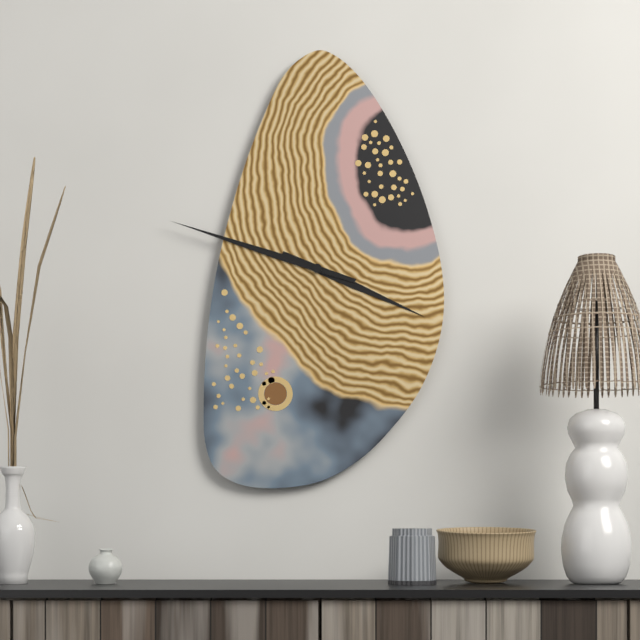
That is **3:48**
